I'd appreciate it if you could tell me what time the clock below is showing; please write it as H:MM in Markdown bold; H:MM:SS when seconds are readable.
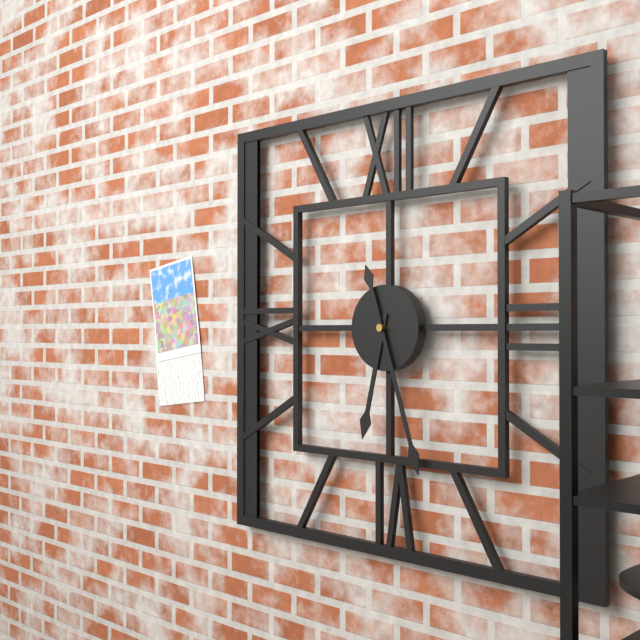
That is **6:27**
